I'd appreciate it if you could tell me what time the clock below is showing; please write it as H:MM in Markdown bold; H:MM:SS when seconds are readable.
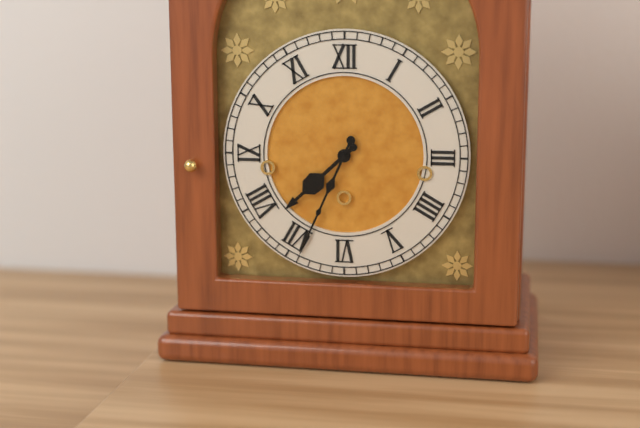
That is **7:34**
